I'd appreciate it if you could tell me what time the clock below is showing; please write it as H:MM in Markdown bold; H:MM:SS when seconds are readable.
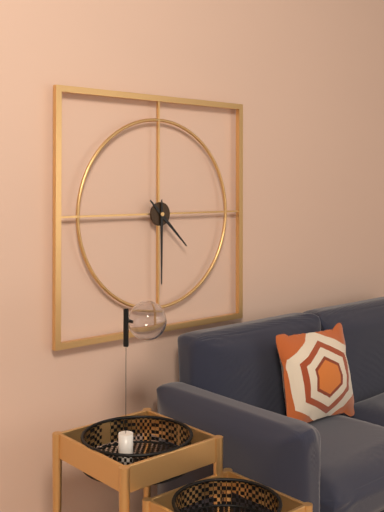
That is **4:30**
